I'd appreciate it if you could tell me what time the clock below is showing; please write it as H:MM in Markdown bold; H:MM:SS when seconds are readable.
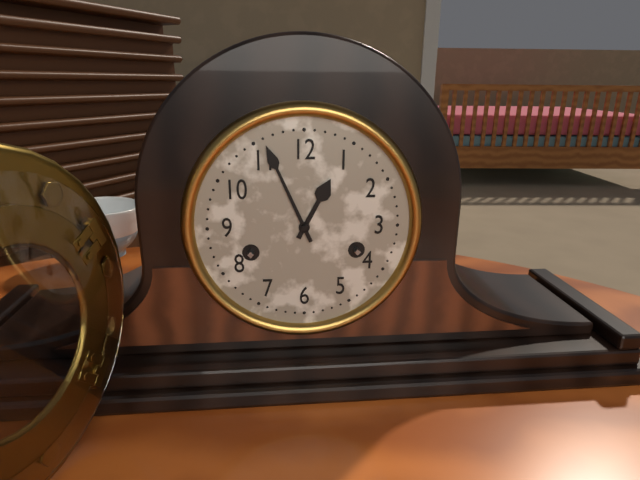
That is **12:56**
